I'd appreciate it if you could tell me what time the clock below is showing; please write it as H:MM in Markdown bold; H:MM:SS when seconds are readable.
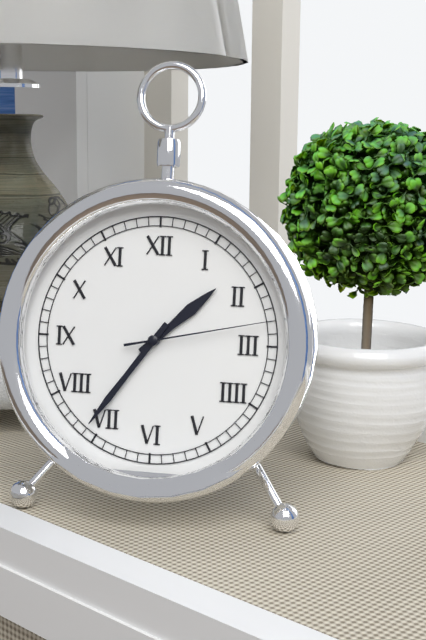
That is **1:36:13**
